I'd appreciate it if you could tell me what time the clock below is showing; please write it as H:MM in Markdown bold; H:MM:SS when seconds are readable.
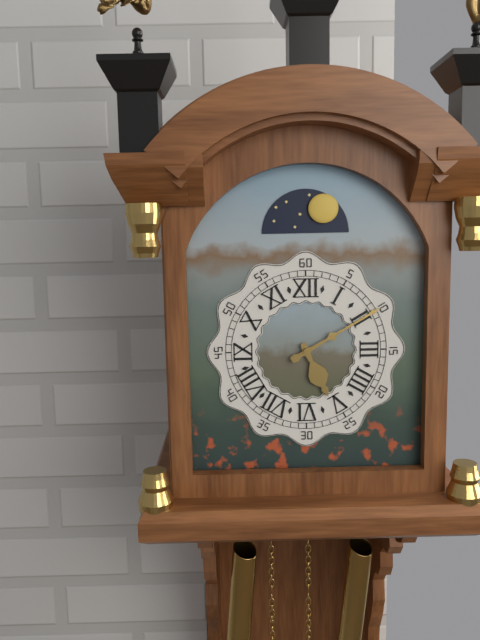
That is **5:10**
